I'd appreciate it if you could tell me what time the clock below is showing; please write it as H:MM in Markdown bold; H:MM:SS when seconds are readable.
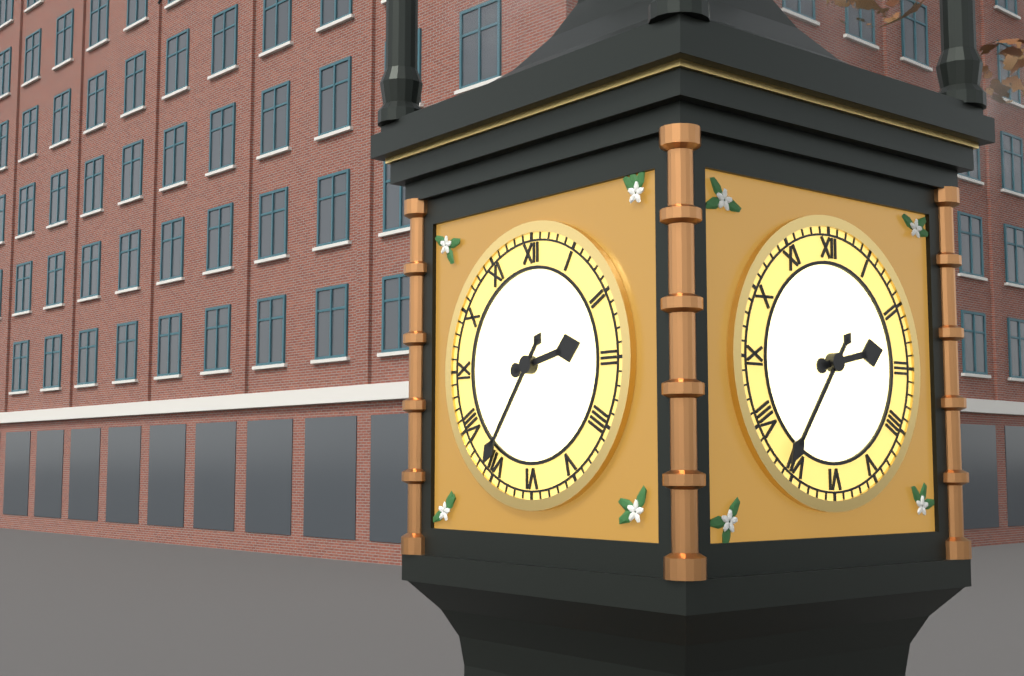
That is **2:36**
